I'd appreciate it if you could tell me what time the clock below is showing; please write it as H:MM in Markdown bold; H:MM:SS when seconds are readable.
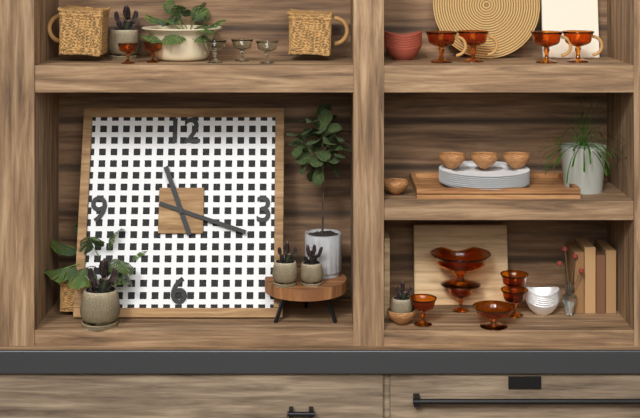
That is **11:18**
